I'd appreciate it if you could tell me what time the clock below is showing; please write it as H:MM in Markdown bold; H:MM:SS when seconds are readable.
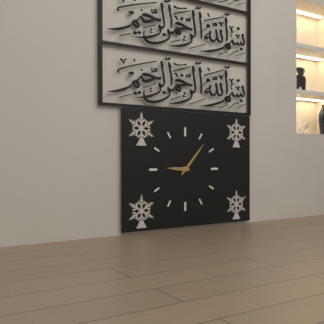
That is **9:07**
